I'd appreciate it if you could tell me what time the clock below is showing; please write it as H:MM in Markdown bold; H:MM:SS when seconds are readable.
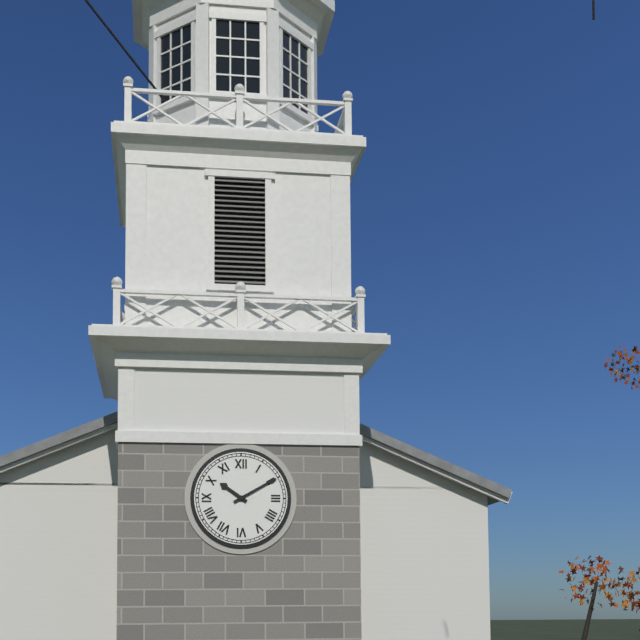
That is **10:10**
